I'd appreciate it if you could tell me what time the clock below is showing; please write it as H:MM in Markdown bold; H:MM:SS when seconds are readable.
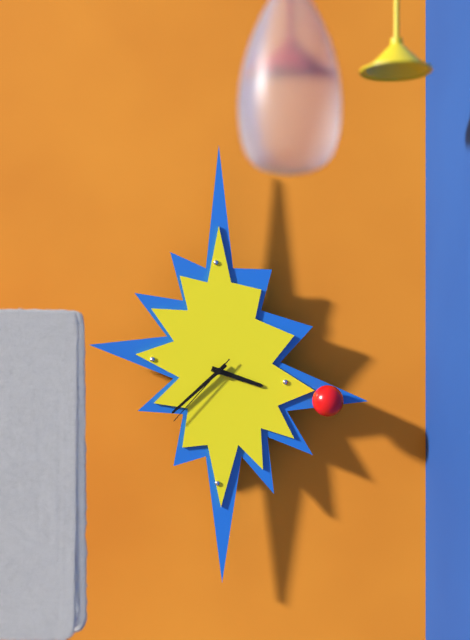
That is **3:38:37**
